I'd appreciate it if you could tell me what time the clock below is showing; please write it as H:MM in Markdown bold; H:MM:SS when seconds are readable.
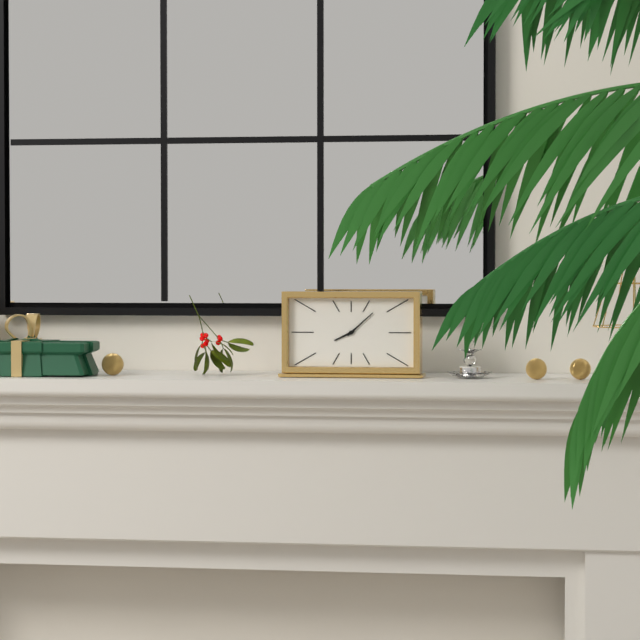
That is **8:08**
